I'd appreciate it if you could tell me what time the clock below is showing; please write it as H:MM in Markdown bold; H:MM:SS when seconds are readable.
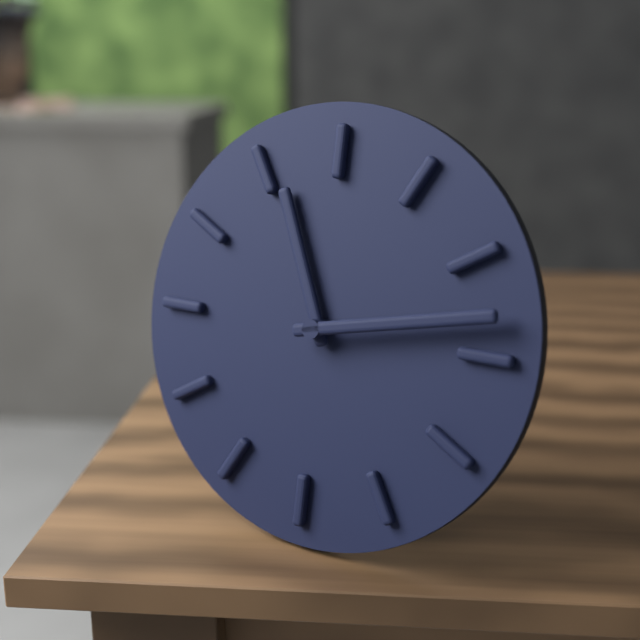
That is **11:13**
